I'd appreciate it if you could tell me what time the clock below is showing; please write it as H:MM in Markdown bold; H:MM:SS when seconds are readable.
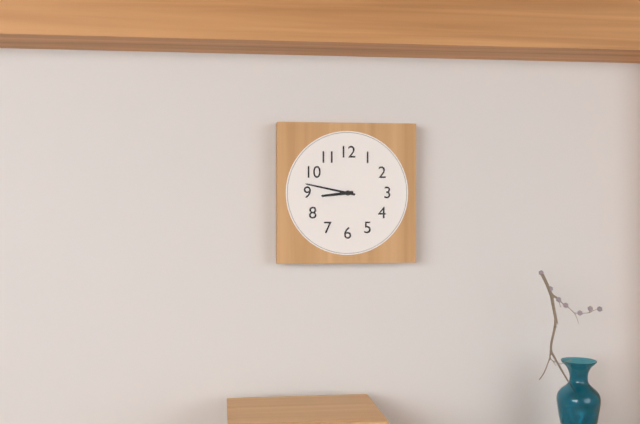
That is **8:47**
